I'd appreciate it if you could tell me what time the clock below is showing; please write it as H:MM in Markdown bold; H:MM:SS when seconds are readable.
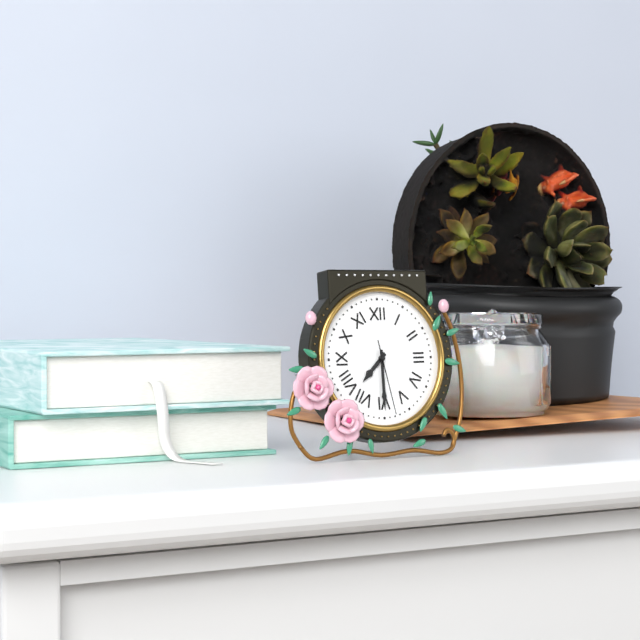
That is **7:30:28**
